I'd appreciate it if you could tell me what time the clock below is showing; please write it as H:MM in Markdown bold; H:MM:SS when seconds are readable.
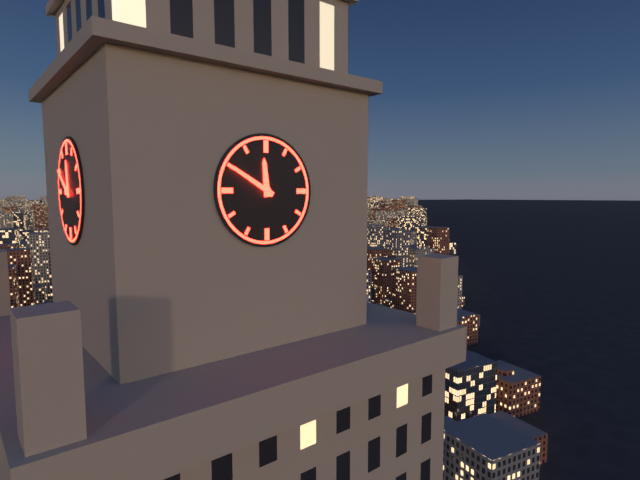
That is **11:50**
